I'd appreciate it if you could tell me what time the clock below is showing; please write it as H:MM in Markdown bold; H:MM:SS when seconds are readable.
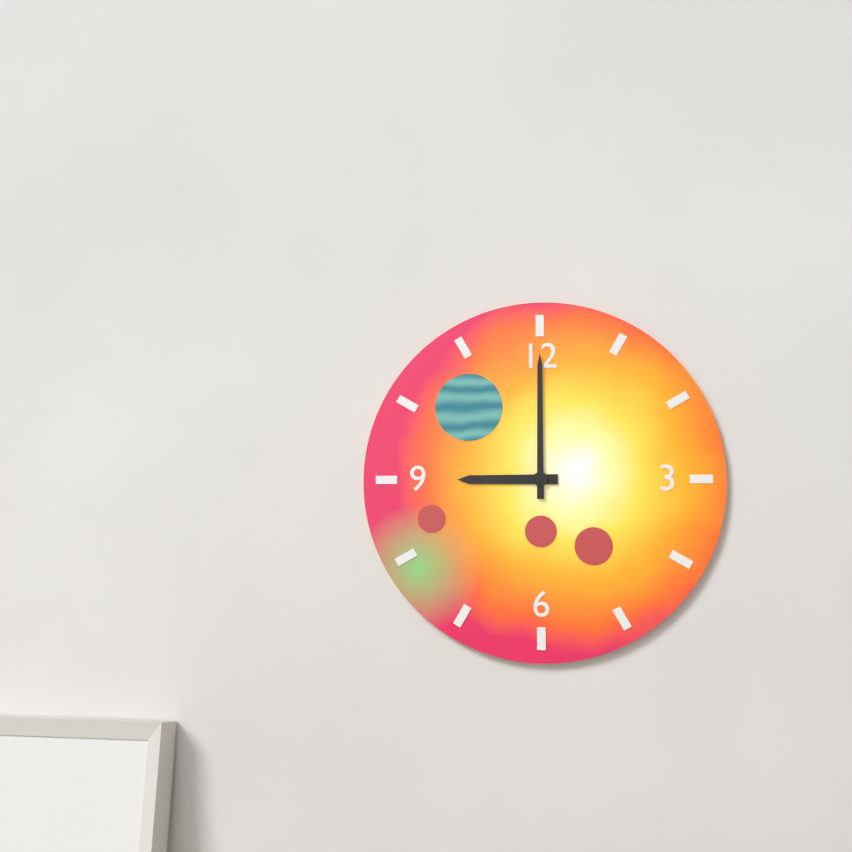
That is **9:00**
